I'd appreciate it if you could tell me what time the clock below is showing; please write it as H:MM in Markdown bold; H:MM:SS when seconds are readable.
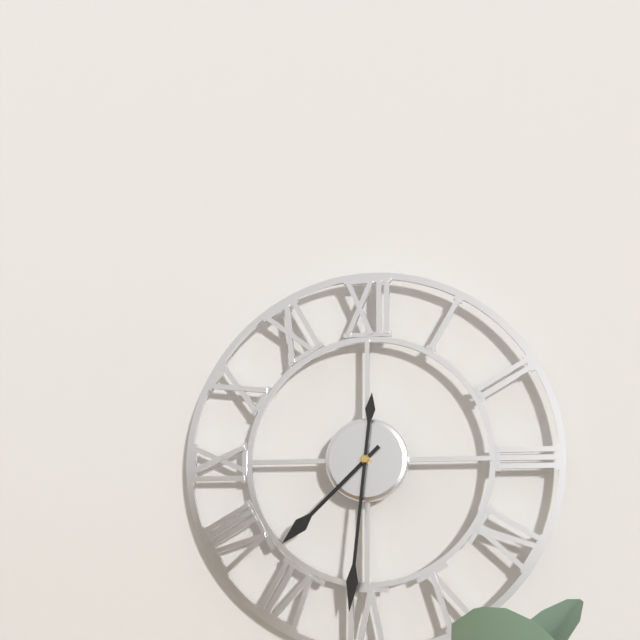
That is **7:31**
